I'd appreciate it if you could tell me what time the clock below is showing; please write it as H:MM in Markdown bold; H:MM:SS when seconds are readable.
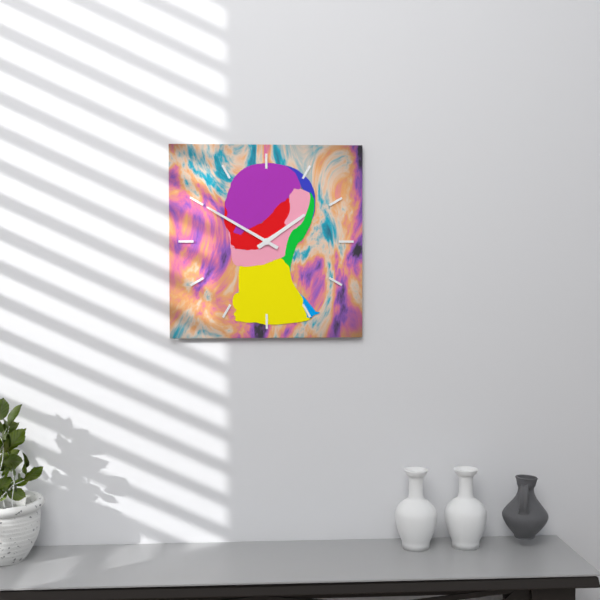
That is **1:50**
